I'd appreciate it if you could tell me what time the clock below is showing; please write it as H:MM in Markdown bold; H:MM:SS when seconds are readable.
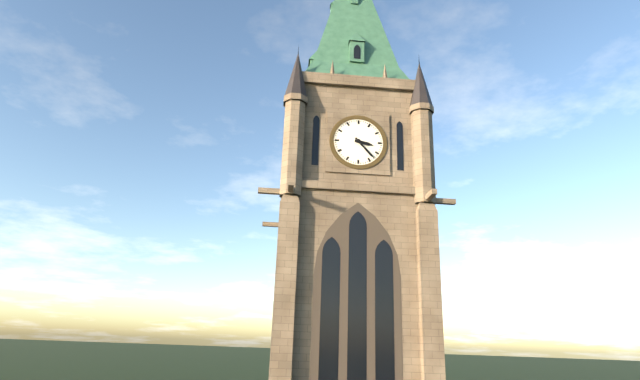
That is **3:23**
